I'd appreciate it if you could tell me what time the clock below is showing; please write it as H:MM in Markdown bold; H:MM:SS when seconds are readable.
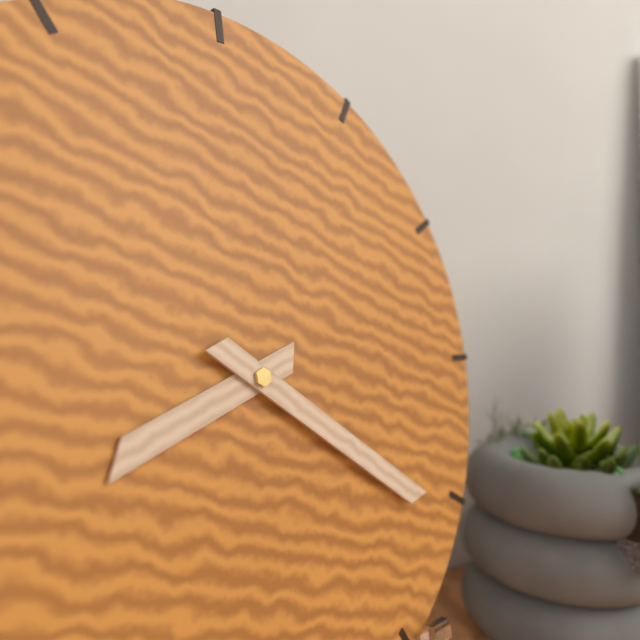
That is **8:21**
